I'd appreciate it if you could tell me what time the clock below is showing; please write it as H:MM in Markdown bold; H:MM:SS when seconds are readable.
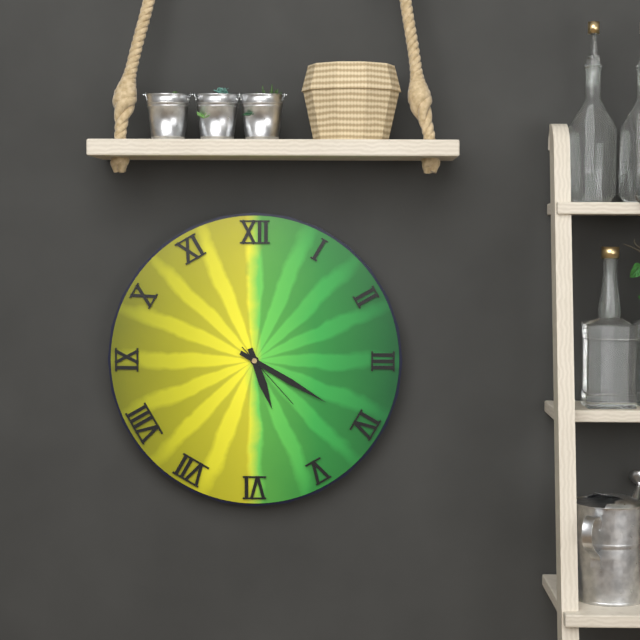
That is **5:20:23**
